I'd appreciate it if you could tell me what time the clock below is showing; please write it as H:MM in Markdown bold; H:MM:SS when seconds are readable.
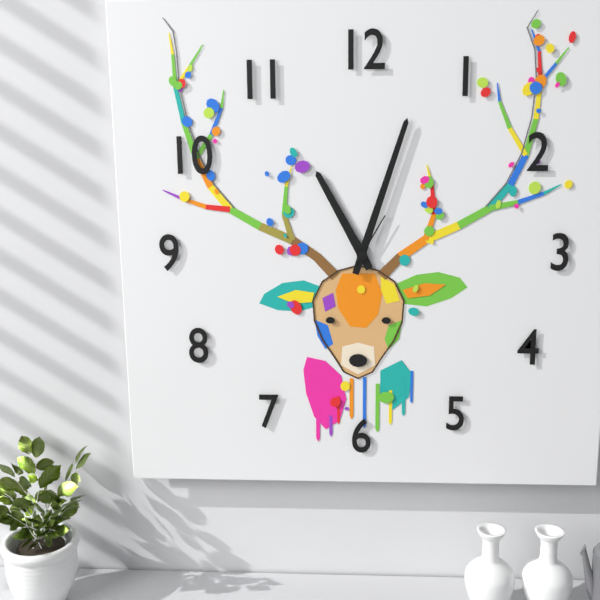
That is **11:03:05**
